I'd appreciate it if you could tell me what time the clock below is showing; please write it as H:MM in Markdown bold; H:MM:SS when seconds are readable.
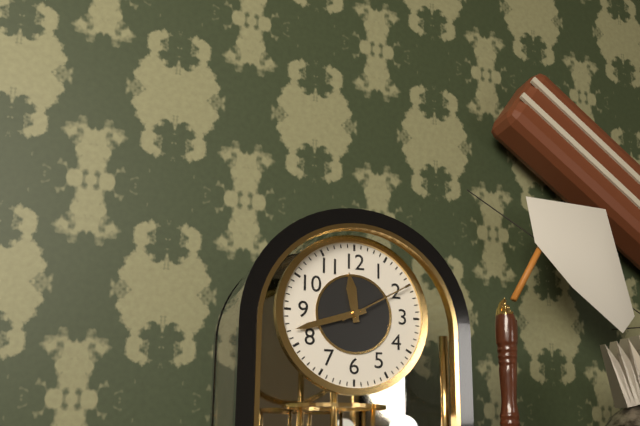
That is **11:42:10**
